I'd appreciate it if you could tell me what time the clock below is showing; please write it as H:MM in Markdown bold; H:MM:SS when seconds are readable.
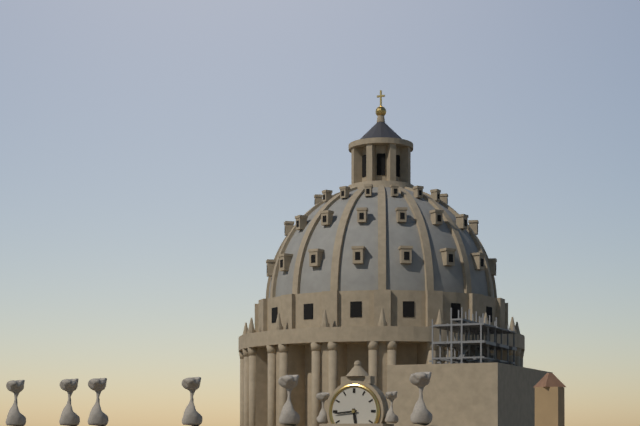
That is **5:44**
